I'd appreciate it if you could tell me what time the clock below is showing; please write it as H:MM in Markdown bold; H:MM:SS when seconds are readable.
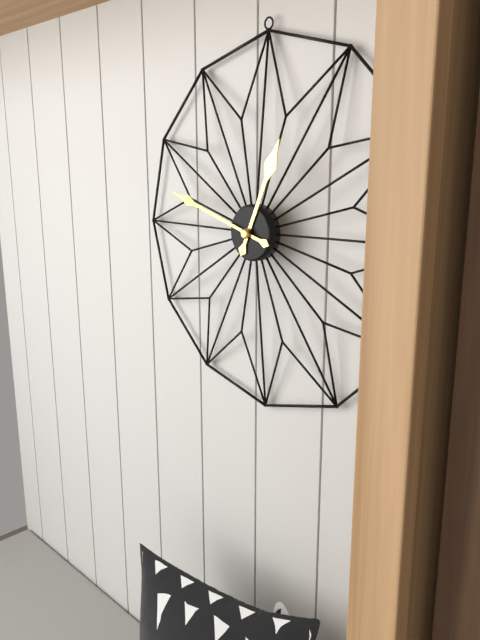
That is **12:48**
